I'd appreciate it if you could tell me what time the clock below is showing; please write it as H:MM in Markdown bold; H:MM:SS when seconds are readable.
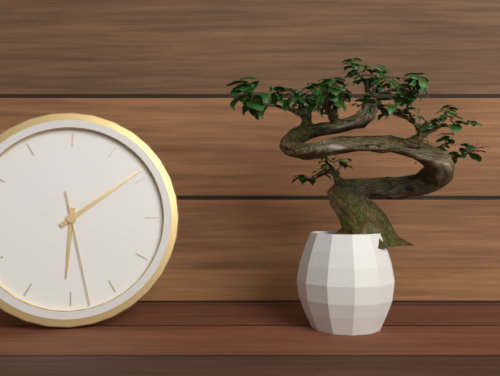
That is **6:09:28**
